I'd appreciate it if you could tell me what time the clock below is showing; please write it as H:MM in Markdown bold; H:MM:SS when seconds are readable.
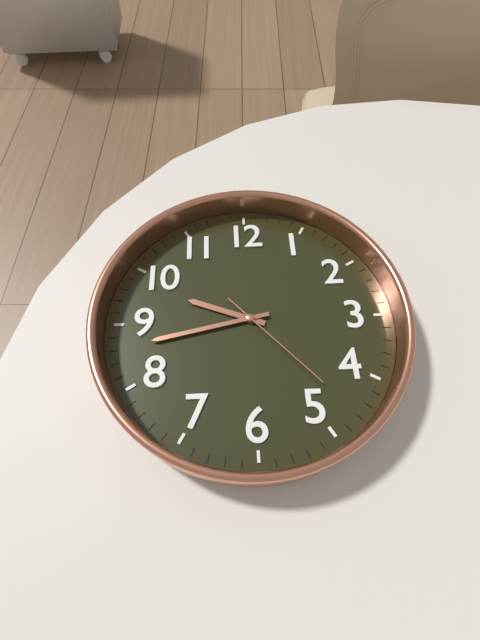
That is **9:43:23**
